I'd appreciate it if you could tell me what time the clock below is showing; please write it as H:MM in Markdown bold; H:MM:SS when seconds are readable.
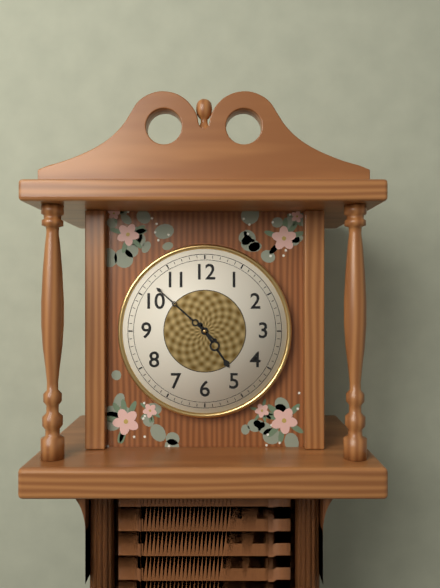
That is **4:52**
